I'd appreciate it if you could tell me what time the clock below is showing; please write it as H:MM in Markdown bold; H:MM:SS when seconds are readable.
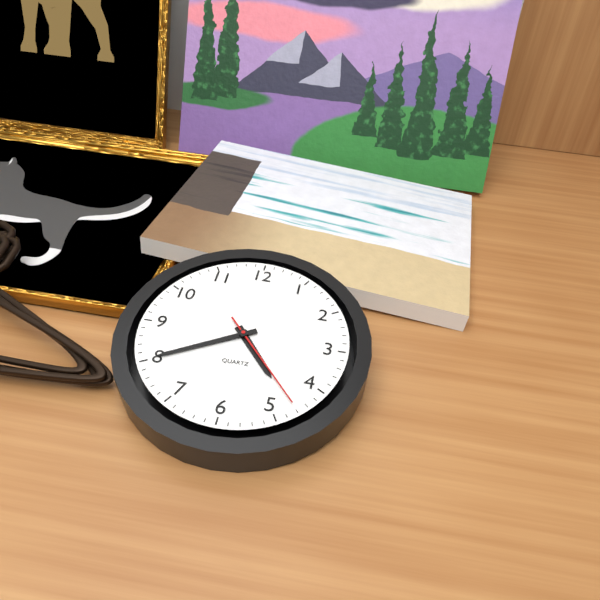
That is **4:40:23**
